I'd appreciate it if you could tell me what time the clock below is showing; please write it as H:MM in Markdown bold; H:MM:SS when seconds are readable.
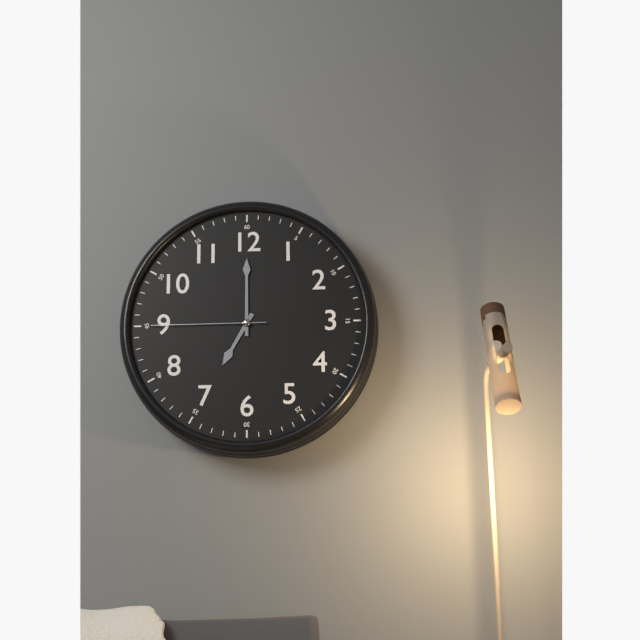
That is **7:00:45**
